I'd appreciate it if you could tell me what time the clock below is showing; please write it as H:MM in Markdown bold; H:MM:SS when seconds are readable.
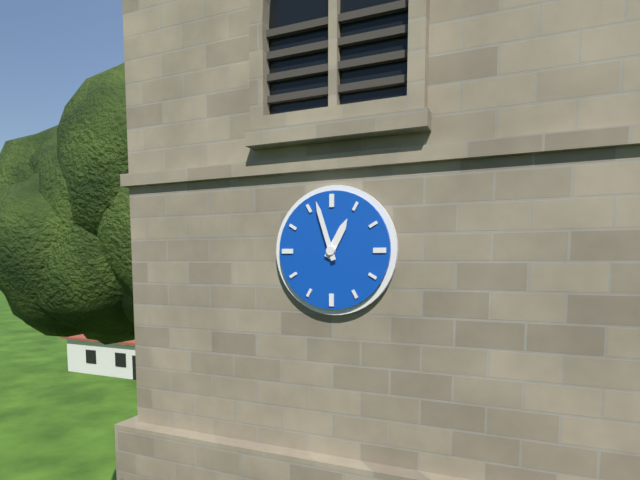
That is **12:57**
